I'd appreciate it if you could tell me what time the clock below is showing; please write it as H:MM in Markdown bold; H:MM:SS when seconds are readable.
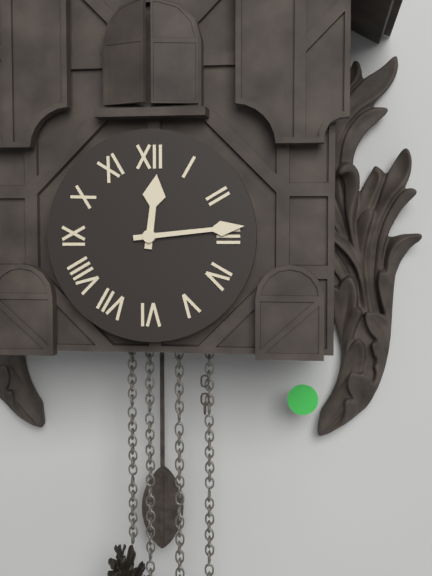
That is **12:14**
